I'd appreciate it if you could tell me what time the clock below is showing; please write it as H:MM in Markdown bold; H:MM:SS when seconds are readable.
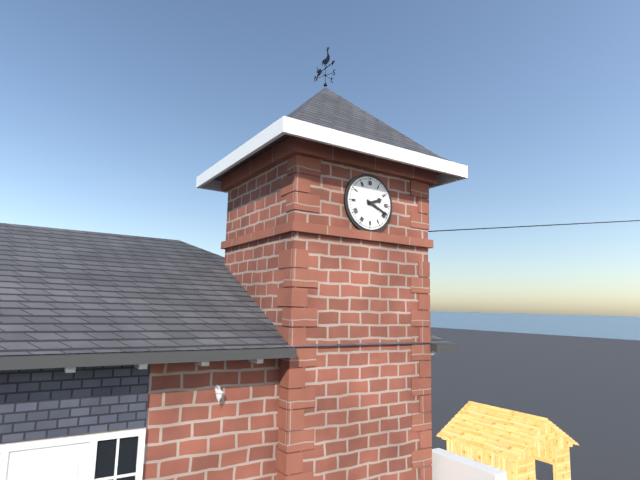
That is **2:19**
